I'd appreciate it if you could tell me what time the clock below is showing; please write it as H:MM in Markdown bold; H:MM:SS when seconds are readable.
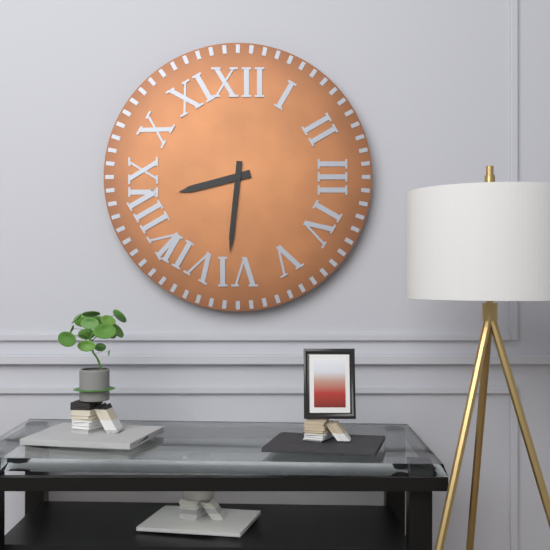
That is **8:31**
